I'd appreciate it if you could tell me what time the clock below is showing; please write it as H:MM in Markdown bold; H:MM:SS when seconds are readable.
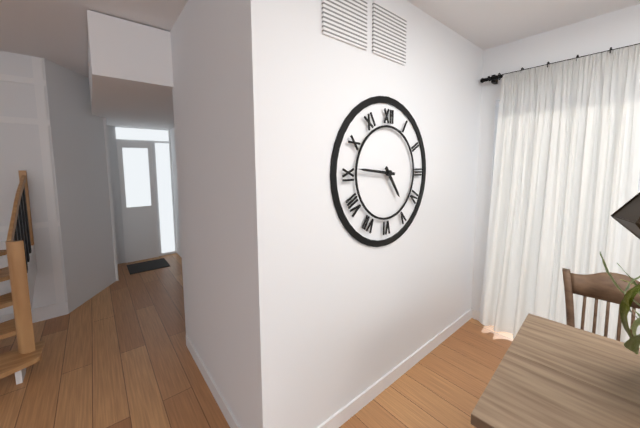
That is **4:46**
